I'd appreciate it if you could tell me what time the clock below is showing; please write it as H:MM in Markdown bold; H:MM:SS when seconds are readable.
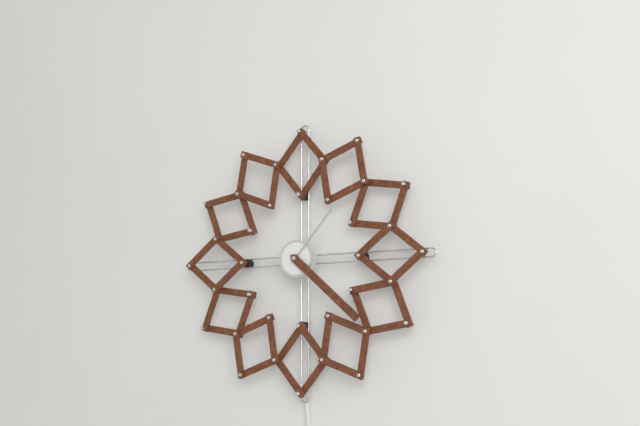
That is **1:22**
